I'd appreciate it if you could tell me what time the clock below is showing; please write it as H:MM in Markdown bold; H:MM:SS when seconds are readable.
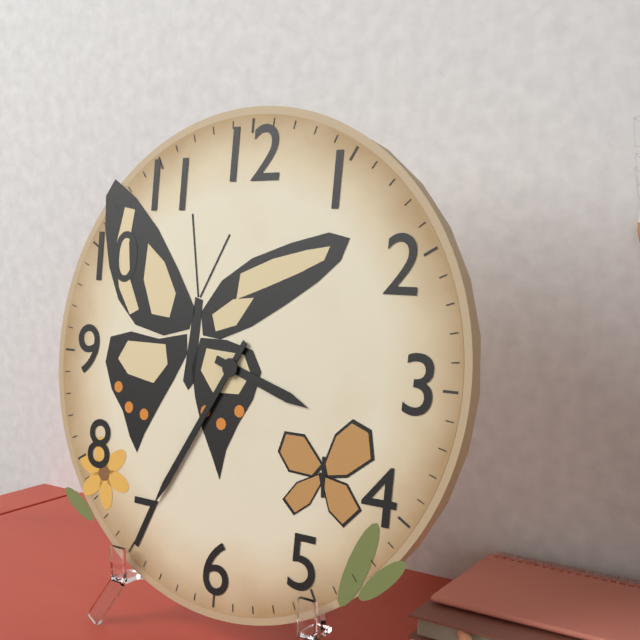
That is **3:35**
